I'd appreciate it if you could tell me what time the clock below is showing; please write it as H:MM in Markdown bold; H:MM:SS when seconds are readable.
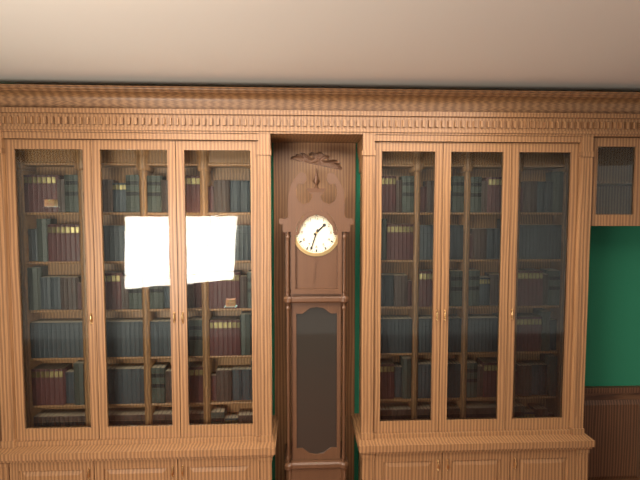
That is **1:33**
